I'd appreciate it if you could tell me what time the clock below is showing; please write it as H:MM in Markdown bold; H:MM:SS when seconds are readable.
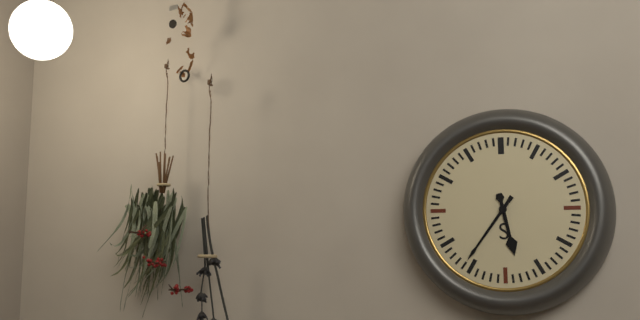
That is **5:36**
